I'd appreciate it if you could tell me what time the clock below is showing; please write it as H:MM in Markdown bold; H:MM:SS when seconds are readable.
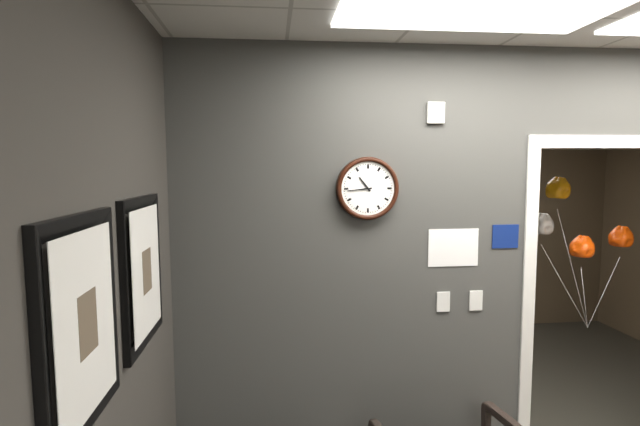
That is **10:44**
